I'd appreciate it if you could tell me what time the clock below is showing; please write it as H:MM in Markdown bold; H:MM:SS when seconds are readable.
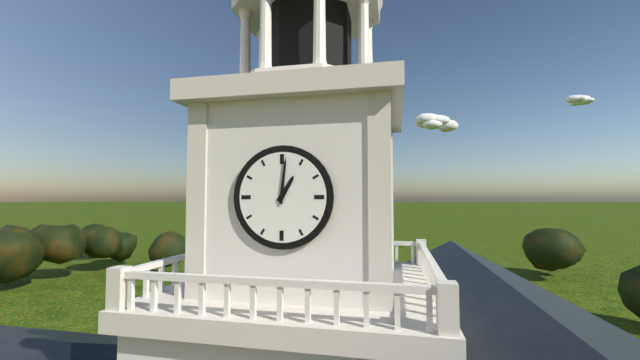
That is **1:01**
